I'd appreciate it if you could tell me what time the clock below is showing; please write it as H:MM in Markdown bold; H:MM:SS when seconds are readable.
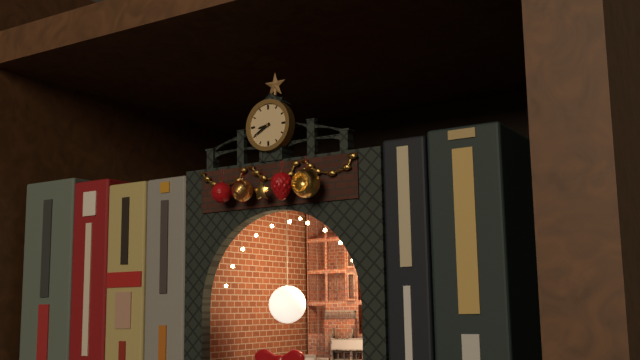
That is **8:40**
